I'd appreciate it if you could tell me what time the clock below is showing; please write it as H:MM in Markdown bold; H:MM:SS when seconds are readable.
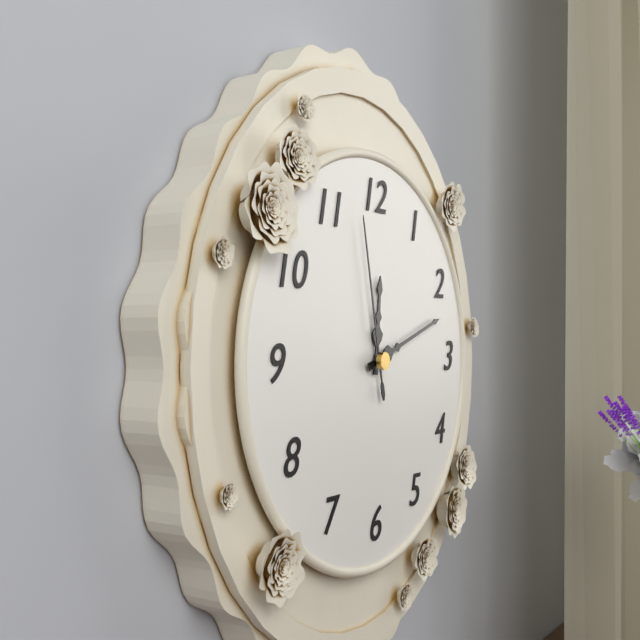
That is **12:12:58**
